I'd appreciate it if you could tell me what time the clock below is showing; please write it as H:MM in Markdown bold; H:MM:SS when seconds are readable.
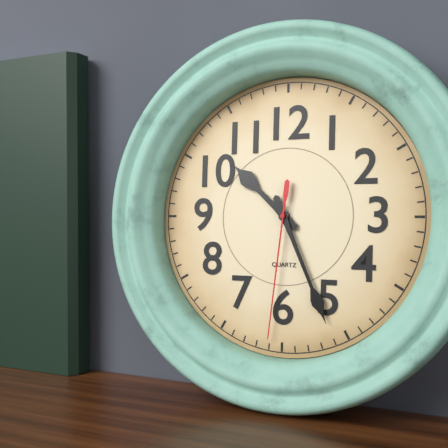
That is **10:26:31**
